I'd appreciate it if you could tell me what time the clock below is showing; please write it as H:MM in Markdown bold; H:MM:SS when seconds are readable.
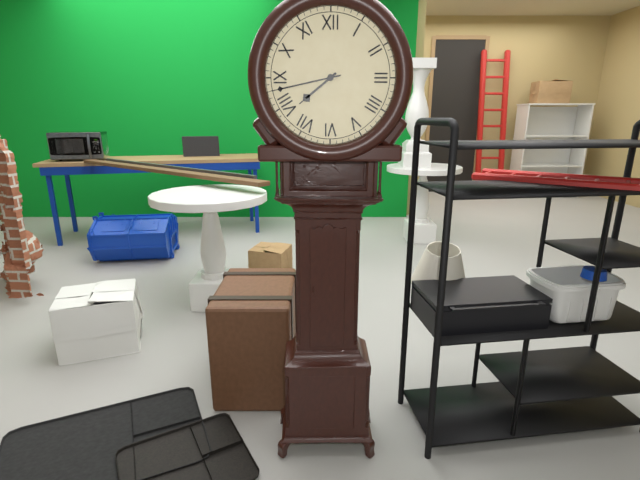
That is **7:43**
